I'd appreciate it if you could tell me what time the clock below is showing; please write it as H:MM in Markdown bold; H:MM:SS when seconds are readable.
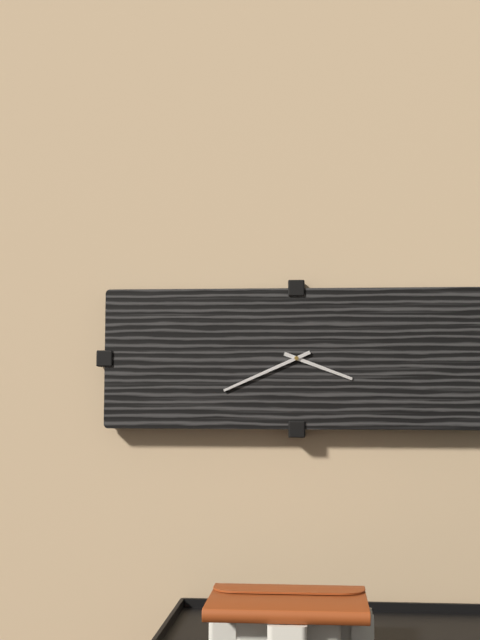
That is **3:41**
